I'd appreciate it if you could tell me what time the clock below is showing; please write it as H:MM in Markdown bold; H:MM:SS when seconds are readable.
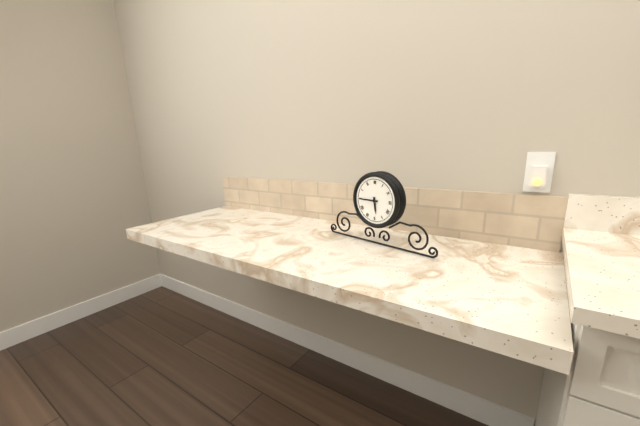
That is **5:45**
